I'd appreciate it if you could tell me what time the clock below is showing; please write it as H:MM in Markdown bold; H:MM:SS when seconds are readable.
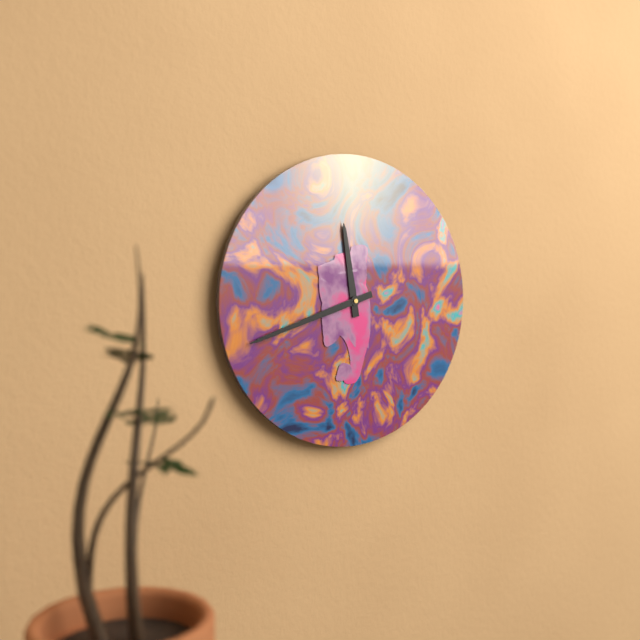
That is **11:42**
